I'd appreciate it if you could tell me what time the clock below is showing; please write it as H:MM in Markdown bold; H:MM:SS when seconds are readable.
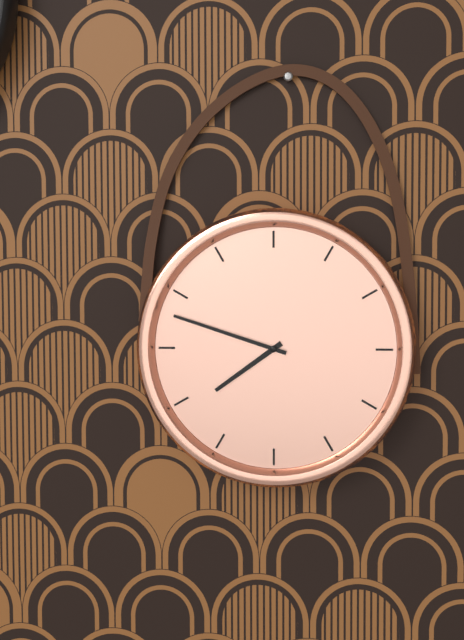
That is **7:48**
